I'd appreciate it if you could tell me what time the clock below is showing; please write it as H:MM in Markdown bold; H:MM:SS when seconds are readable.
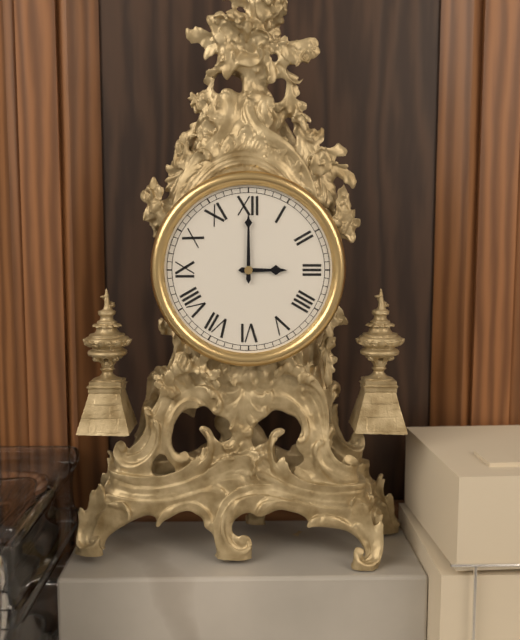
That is **3:00**
